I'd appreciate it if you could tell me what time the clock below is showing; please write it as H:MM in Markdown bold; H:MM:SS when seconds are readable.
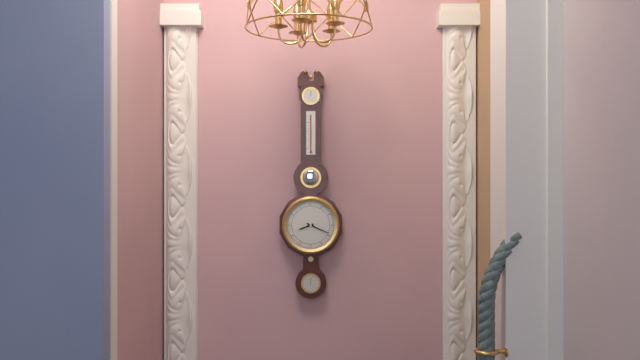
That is **8:19**
